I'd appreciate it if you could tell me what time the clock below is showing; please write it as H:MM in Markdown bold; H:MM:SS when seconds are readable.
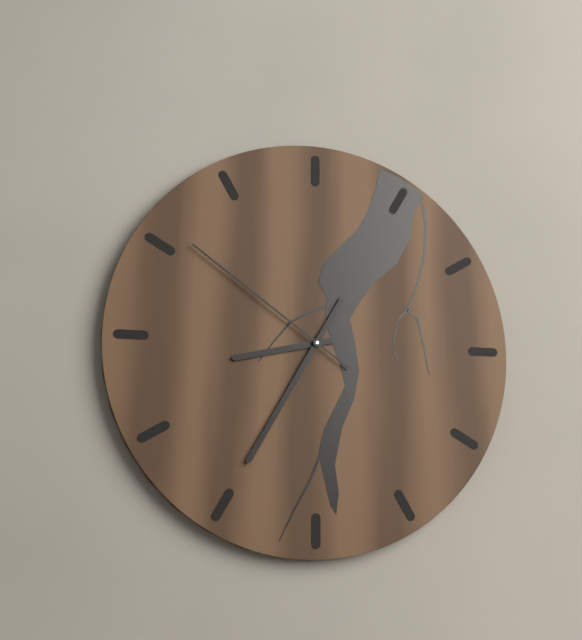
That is **8:35:51**
